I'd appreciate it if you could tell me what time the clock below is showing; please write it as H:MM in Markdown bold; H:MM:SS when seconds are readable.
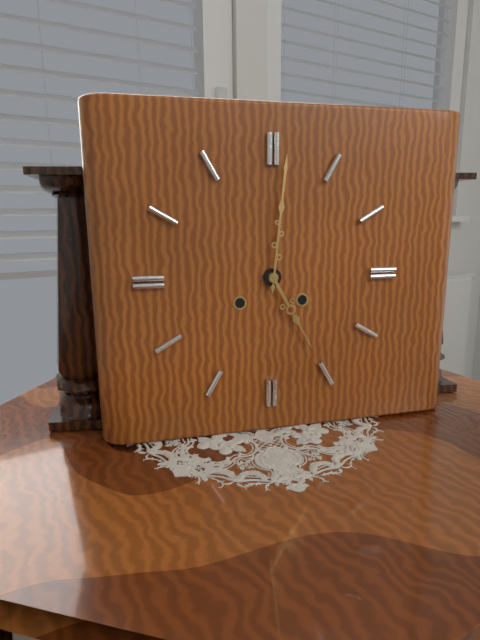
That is **5:01**
